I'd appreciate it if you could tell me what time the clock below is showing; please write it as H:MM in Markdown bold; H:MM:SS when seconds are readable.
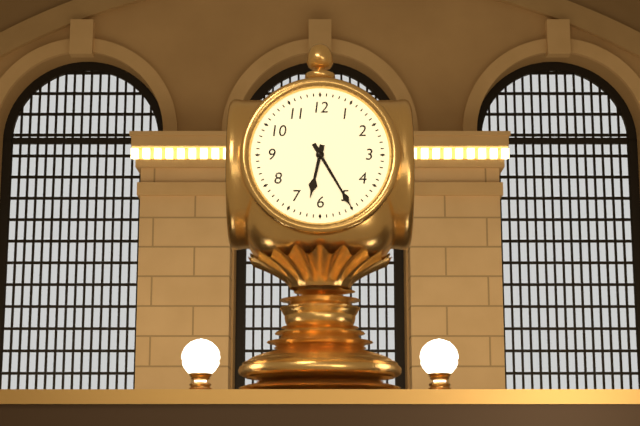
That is **6:25**
